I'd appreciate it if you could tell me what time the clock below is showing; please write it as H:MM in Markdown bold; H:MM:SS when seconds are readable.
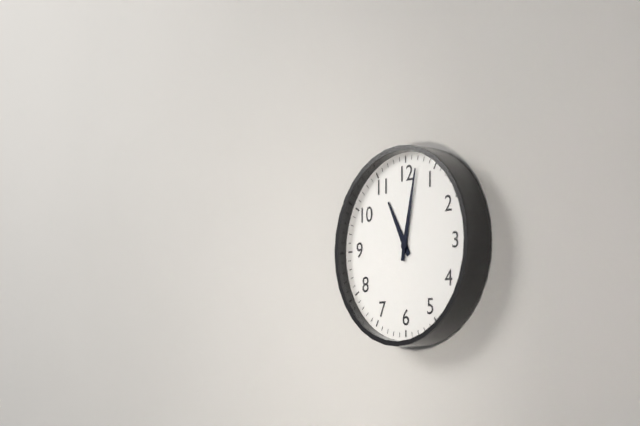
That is **11:02**
